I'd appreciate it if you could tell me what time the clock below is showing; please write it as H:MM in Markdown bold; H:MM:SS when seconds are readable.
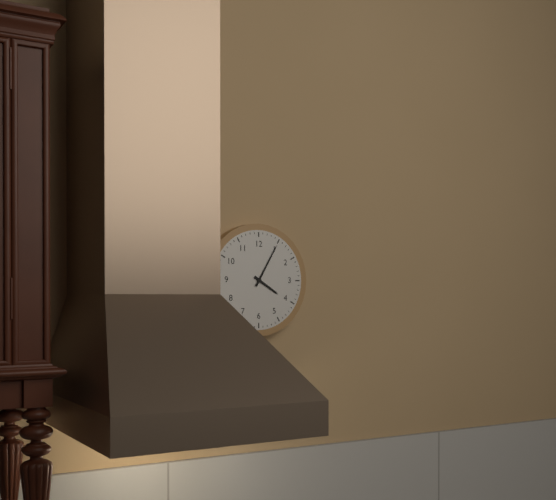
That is **4:05**
